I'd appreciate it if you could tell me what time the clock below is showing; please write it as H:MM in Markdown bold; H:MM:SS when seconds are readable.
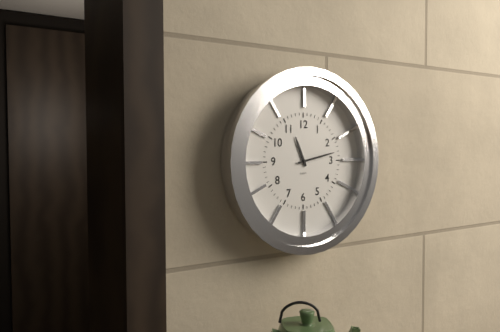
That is **11:13**
